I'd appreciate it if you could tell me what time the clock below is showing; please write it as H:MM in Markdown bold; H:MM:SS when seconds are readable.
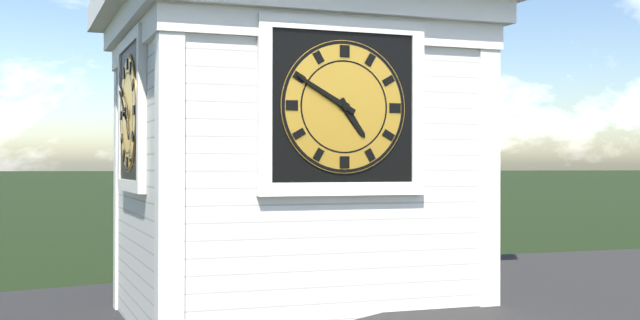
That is **4:50**
